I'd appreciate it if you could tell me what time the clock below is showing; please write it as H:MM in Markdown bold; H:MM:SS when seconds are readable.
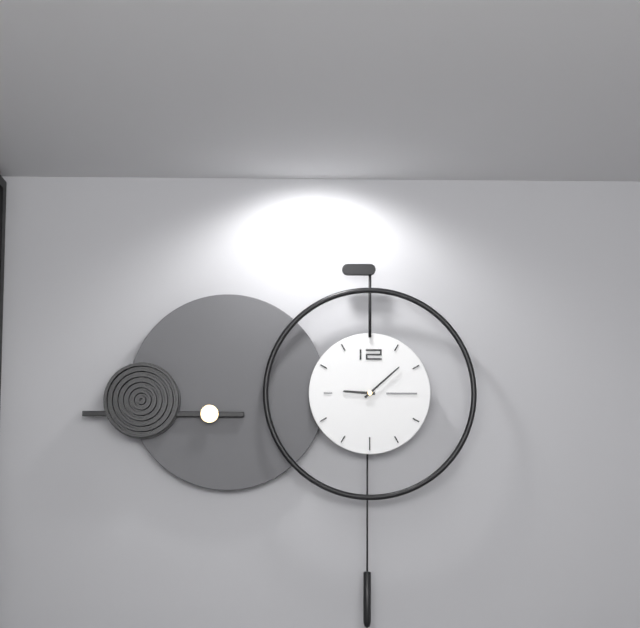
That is **9:08**
